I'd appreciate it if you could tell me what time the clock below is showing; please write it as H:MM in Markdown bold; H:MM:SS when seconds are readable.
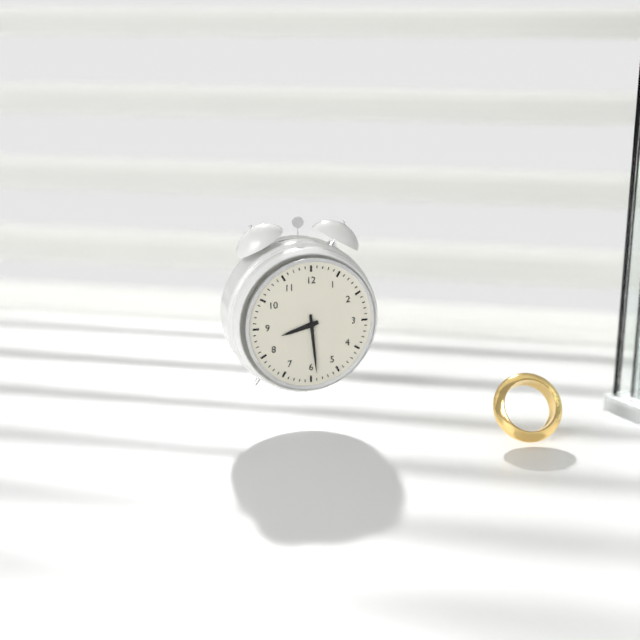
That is **8:29**
